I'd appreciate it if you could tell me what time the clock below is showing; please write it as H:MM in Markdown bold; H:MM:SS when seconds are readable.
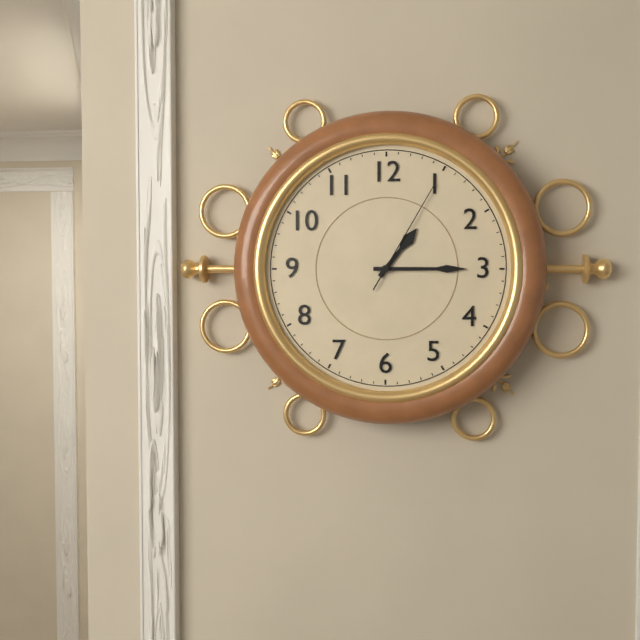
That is **1:15:05**
